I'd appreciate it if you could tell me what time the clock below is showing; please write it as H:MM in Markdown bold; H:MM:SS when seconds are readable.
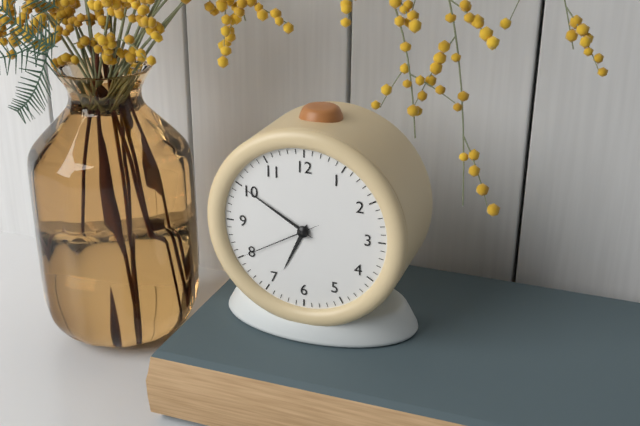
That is **6:50:40**
